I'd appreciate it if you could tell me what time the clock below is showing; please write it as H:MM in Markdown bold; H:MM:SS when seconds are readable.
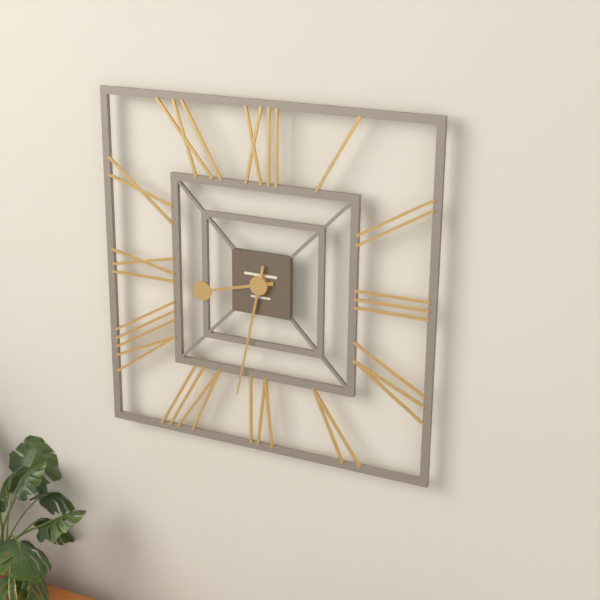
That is **8:32**
